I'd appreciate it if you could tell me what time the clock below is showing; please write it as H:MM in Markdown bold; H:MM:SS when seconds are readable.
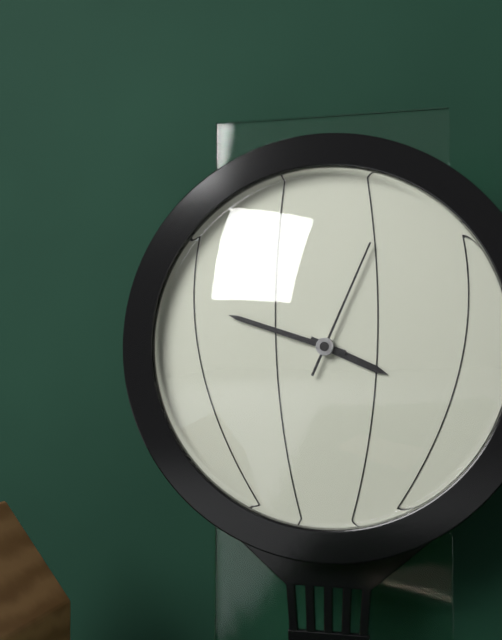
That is **3:48:04**
